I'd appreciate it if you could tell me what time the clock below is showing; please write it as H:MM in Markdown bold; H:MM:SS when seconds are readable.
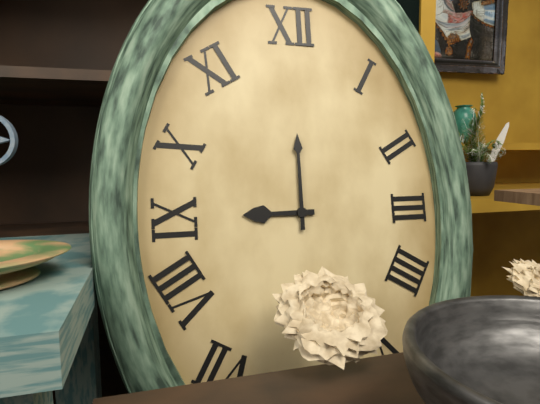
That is **9:00**
